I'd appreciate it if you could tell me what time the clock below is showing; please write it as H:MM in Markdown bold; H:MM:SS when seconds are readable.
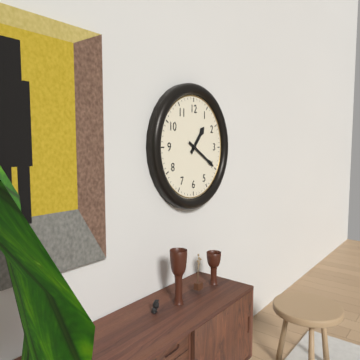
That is **1:20**
